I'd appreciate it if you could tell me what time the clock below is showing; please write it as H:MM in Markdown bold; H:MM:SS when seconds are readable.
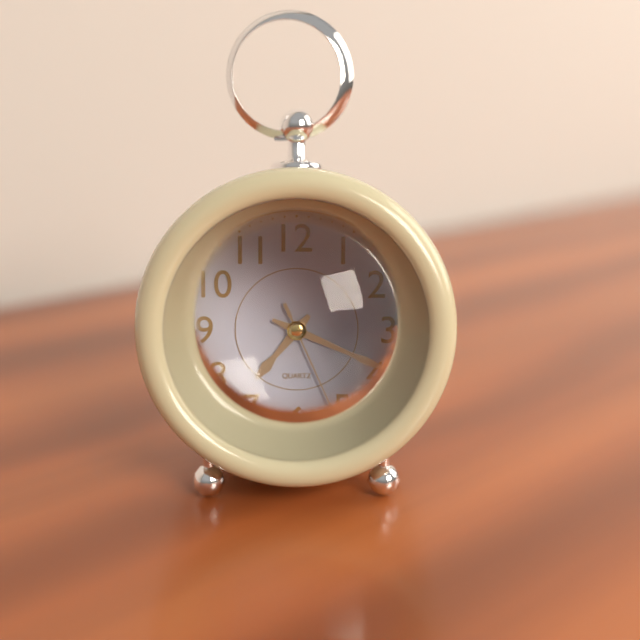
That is **7:19:26**
